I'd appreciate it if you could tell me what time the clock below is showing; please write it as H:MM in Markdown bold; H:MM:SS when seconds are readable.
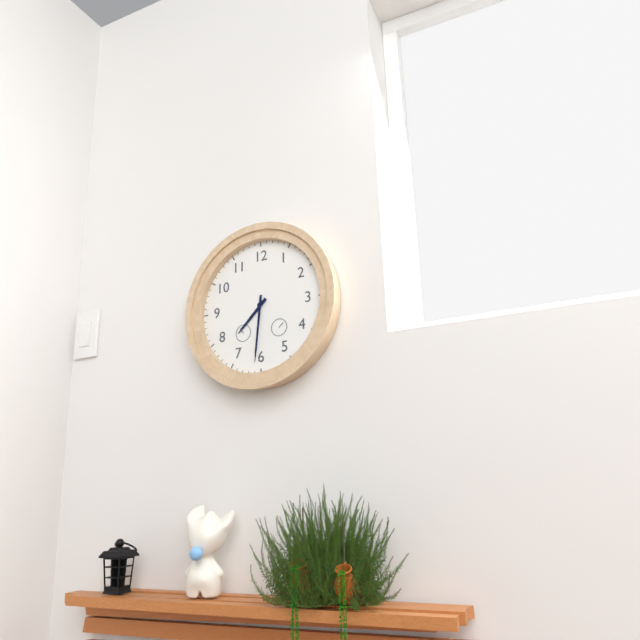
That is **7:31**
